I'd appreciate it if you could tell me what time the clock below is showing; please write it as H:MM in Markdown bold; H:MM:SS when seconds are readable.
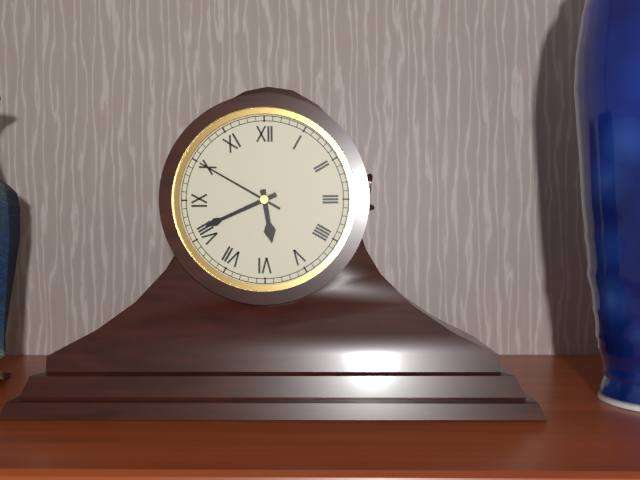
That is **5:41:50**
